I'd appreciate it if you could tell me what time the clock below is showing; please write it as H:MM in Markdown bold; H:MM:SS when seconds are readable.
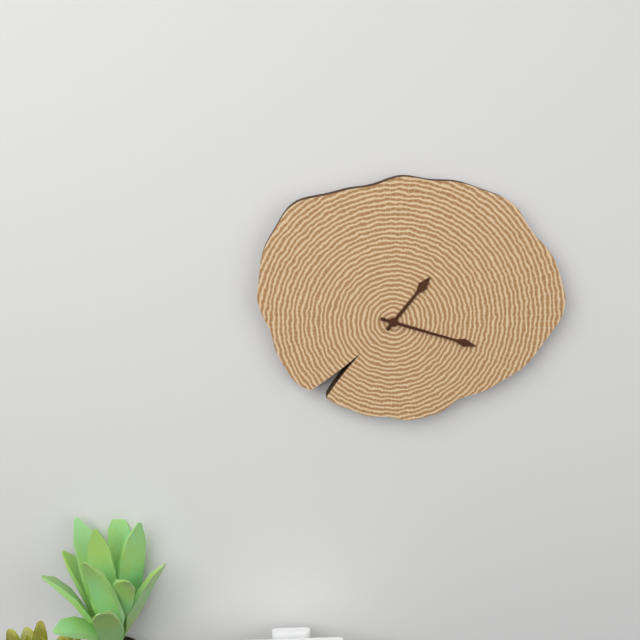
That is **1:18**
